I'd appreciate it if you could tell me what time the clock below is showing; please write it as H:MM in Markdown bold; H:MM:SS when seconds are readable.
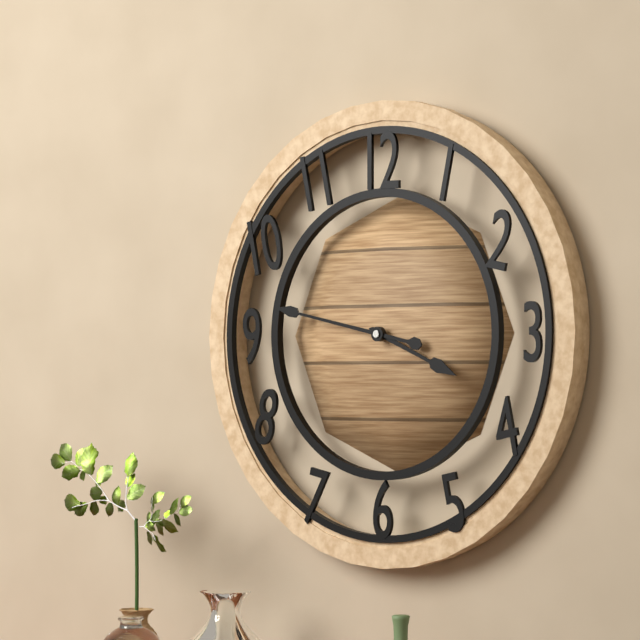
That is **3:47**
